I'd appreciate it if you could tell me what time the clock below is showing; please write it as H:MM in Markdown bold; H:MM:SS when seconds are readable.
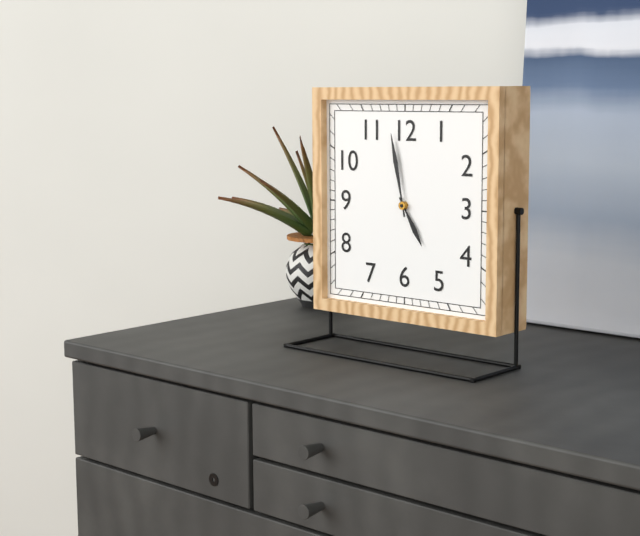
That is **4:58**
